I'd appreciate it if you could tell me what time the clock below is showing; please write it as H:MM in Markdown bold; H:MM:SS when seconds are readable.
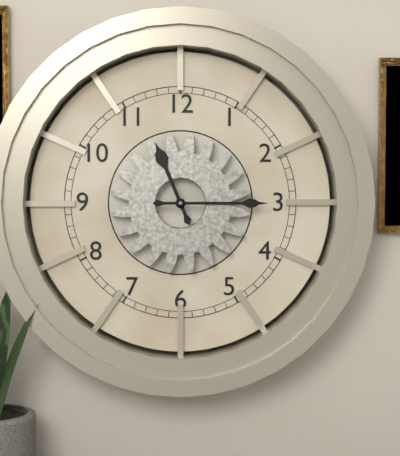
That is **11:15**
